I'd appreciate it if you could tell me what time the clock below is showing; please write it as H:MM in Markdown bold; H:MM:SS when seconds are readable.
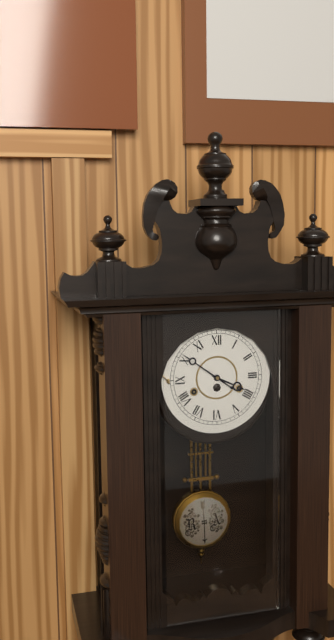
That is **3:51**
